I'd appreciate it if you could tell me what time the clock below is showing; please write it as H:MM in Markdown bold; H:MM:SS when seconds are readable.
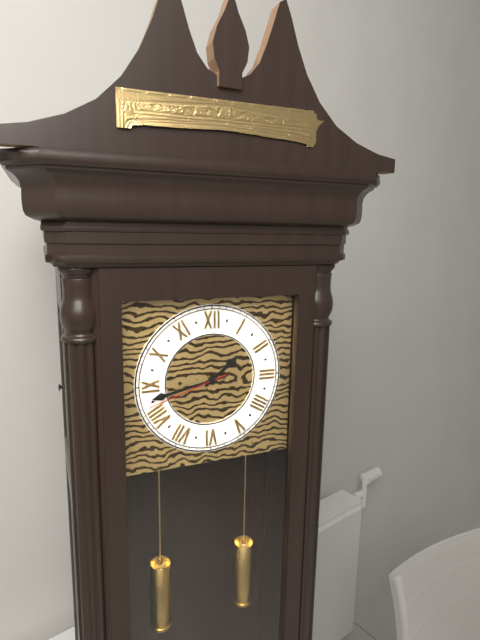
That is **1:43:42**
